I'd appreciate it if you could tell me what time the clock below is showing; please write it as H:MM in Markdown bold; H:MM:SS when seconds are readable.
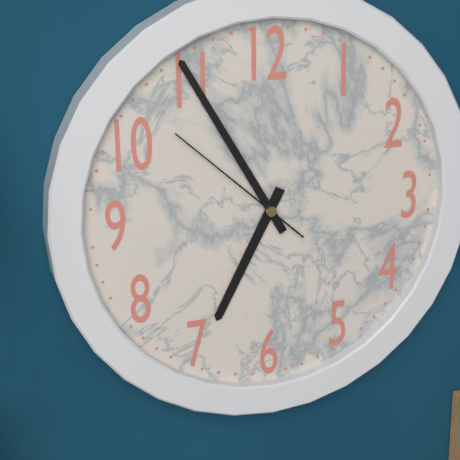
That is **6:55:52**
